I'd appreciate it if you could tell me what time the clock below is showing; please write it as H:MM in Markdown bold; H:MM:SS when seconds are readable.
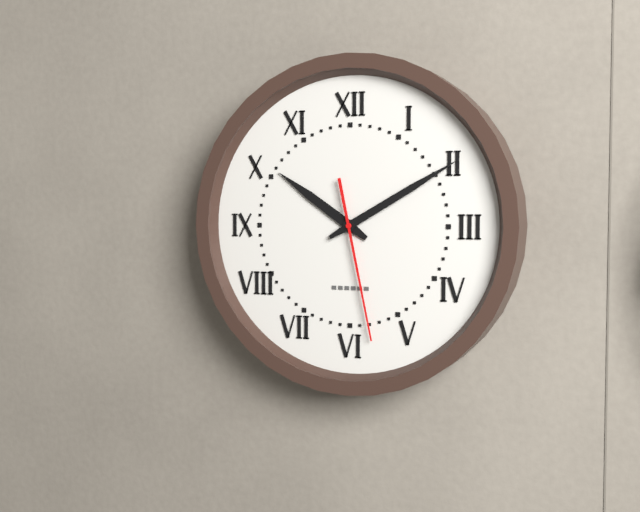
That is **10:10:28**
